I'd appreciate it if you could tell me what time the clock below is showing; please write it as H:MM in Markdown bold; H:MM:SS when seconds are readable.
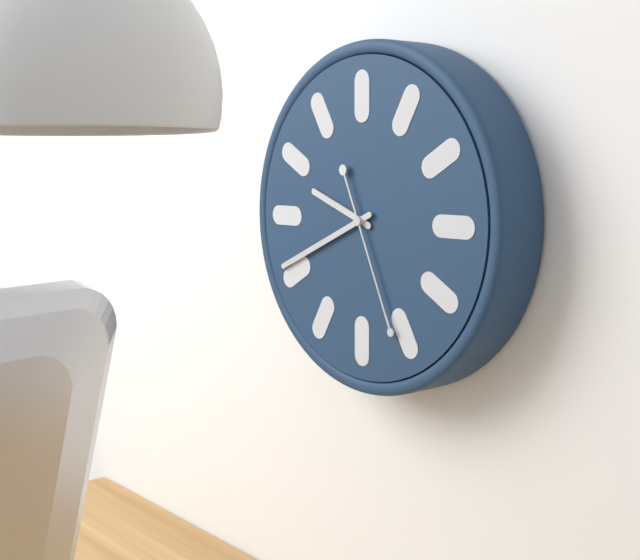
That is **9:41:26**
